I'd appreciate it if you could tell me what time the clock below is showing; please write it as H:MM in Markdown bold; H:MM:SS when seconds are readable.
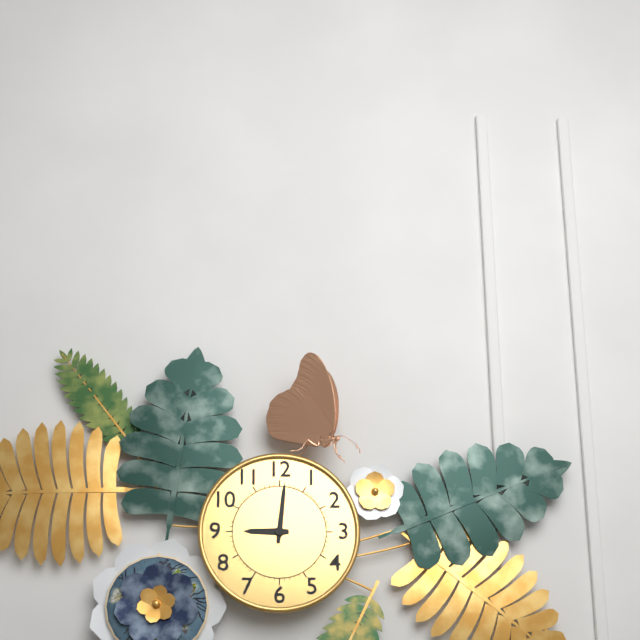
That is **9:01**
